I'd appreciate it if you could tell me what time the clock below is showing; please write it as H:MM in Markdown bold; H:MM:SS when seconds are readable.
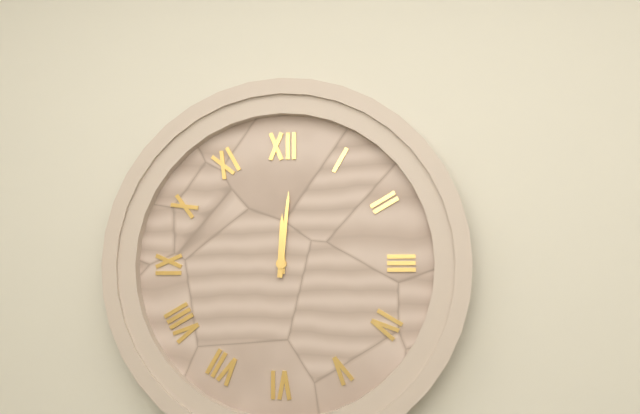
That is **12:01**
